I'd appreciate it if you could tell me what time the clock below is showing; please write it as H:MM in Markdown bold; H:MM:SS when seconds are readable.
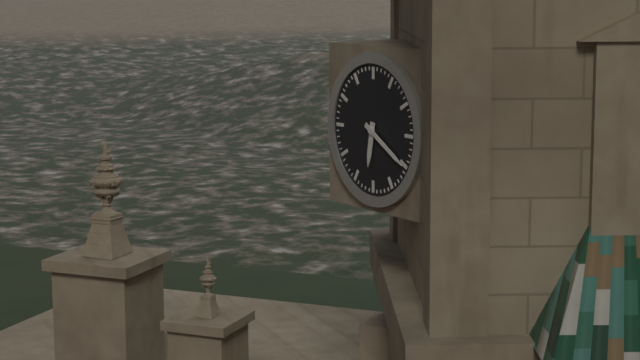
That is **6:20**
